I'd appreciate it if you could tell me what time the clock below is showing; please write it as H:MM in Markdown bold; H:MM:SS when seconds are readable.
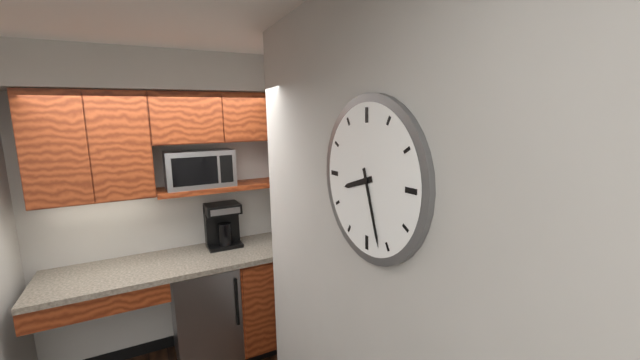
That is **8:27**
